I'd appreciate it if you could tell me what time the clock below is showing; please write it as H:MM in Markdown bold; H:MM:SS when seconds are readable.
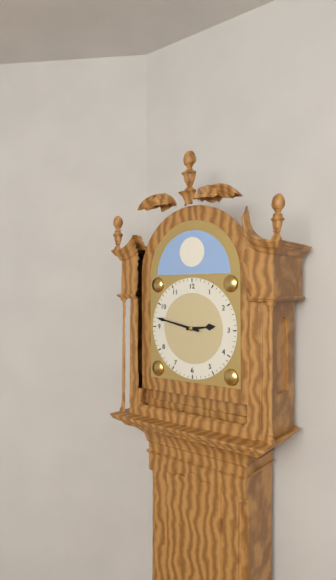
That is **2:47**
